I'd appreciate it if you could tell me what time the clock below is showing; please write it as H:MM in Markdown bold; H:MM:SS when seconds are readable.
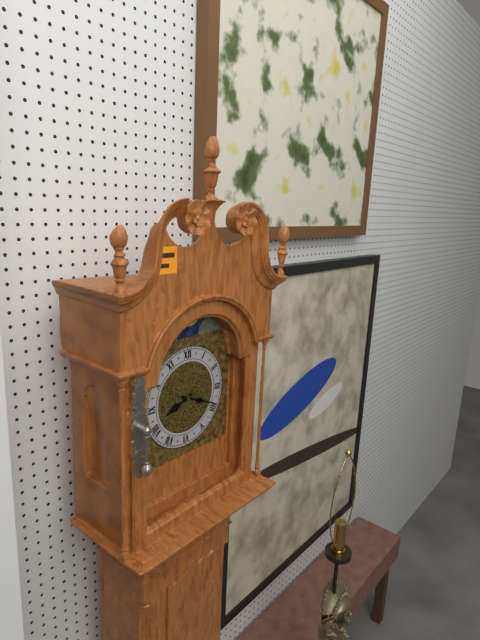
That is **8:19**
